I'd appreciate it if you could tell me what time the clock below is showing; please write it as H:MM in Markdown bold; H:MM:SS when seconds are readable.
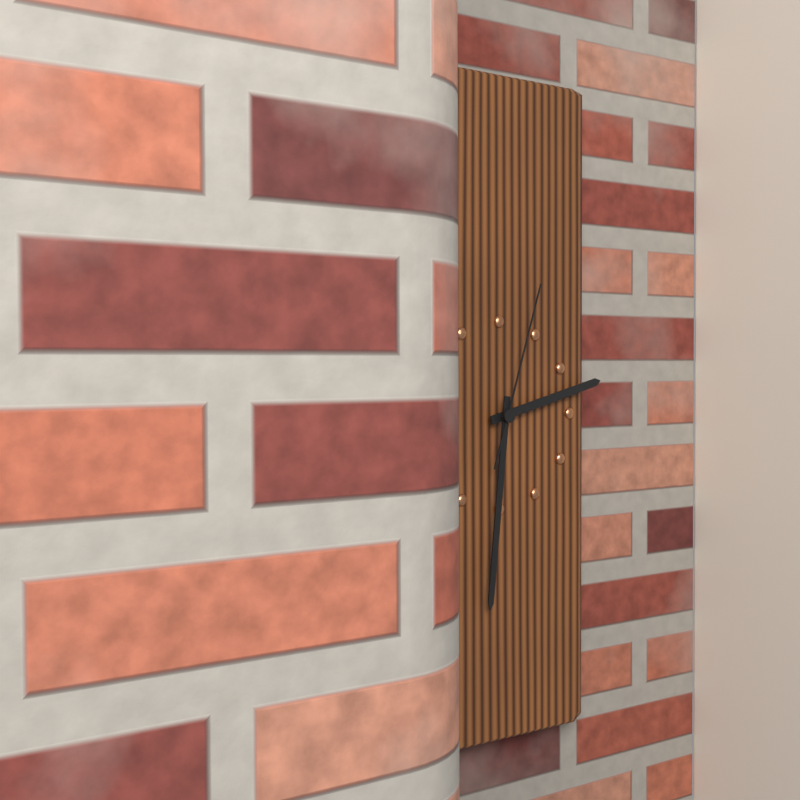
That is **2:31:03**
